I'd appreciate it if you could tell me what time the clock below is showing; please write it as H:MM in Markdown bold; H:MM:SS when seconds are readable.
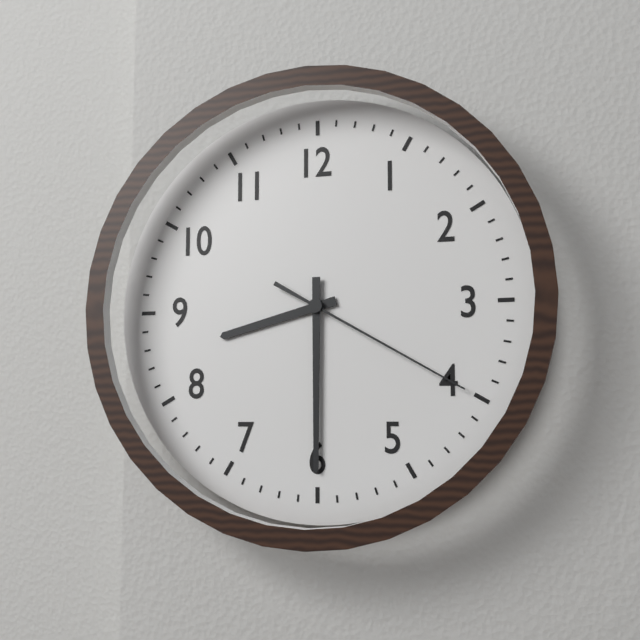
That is **8:30:20**
